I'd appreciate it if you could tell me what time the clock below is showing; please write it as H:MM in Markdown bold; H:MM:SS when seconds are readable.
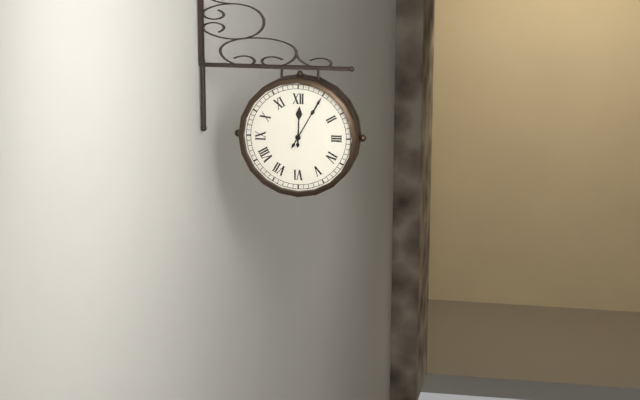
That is **12:05**
